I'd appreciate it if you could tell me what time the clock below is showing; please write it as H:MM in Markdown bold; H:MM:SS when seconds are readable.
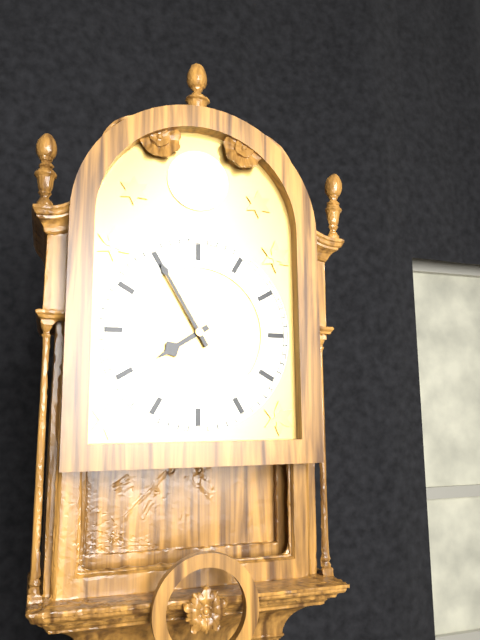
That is **7:55**
